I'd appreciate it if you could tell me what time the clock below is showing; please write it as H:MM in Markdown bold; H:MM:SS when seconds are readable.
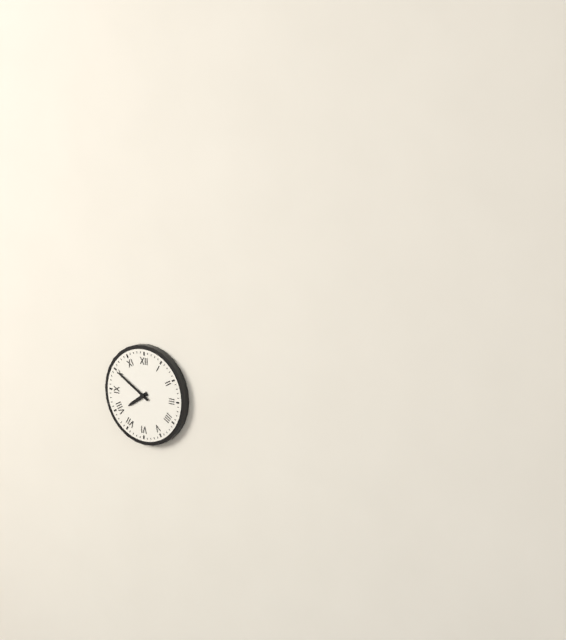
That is **7:50**
